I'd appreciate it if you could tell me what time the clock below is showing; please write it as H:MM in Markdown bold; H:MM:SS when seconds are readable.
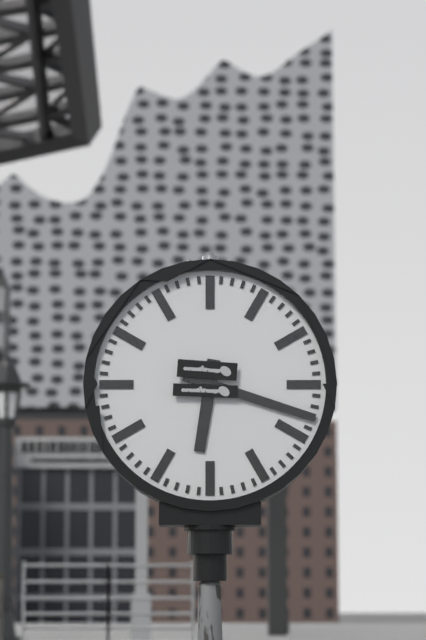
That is **6:18**
